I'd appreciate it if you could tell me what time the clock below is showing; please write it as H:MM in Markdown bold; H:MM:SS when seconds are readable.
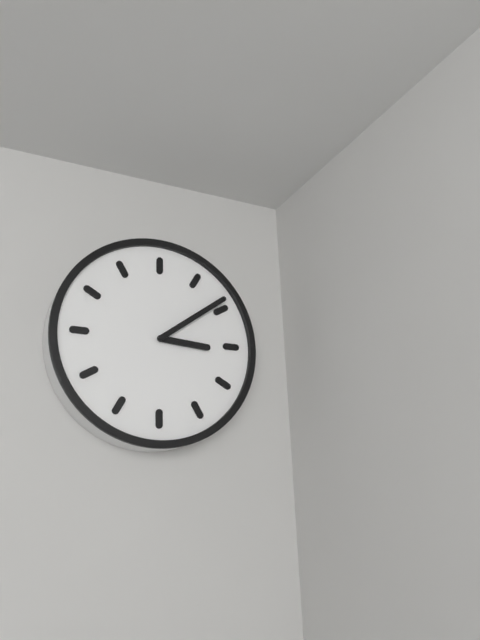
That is **3:09**
